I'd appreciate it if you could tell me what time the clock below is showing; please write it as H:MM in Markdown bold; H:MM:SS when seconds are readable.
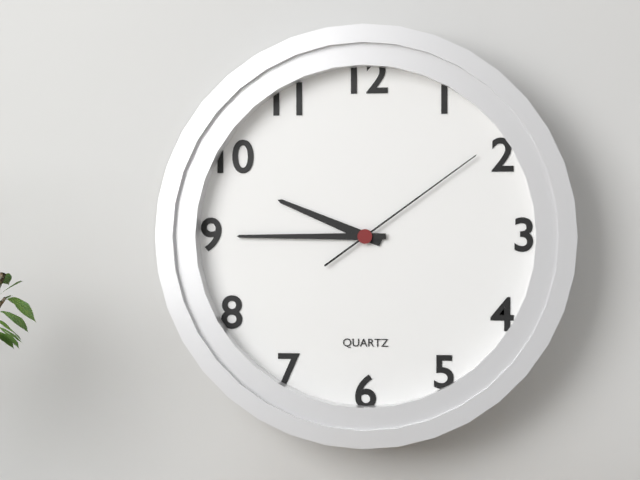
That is **9:45:09**
